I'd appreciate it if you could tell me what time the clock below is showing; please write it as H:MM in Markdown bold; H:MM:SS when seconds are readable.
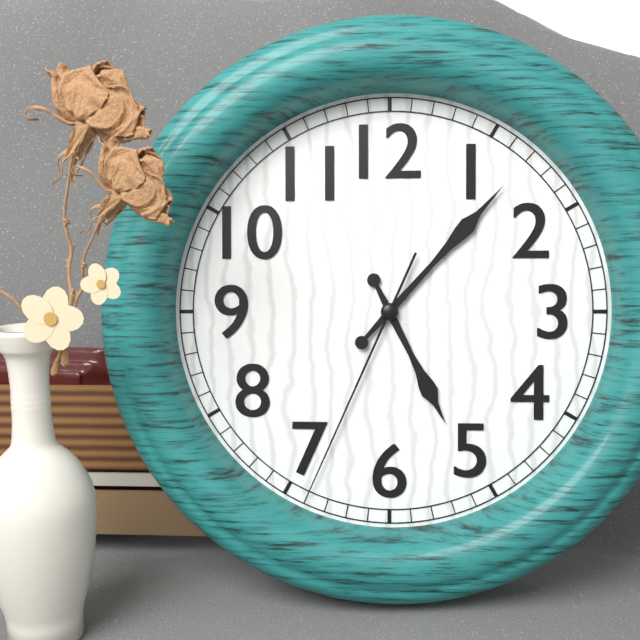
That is **5:07:34**
